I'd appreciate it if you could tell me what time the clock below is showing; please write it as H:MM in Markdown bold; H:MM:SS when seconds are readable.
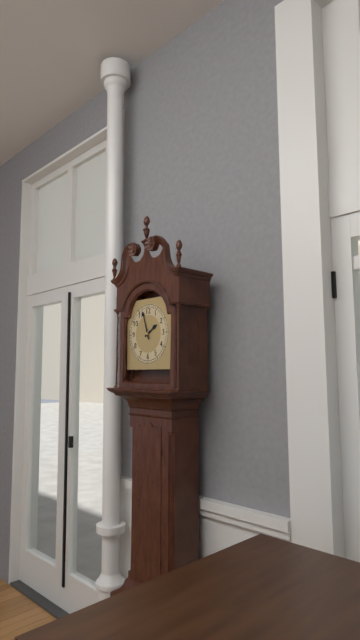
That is **1:57**
